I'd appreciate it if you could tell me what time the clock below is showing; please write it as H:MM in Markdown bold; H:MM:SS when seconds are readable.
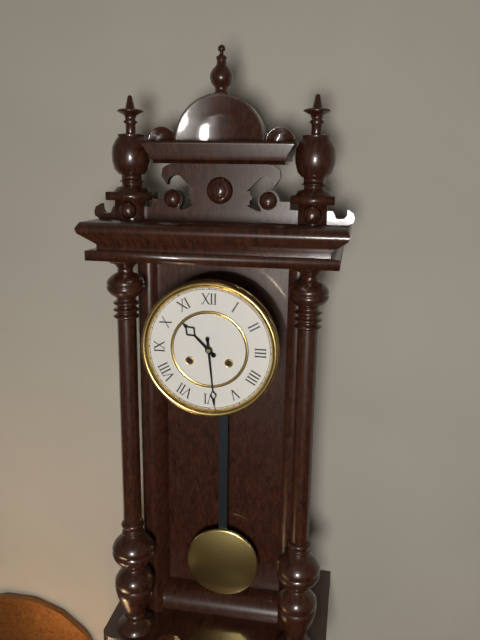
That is **10:29**
